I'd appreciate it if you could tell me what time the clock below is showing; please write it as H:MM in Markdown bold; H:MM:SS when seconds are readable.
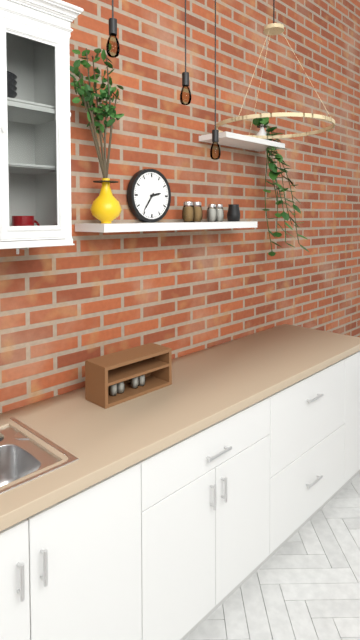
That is **2:36**
